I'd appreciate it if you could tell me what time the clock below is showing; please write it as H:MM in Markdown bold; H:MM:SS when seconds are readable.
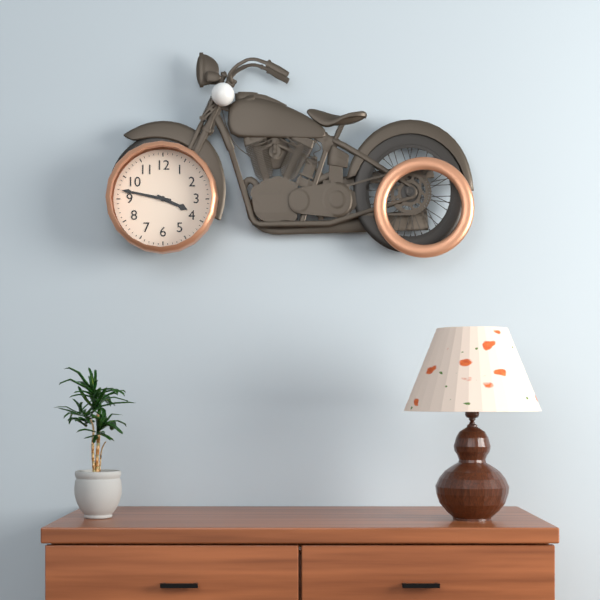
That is **3:47**
